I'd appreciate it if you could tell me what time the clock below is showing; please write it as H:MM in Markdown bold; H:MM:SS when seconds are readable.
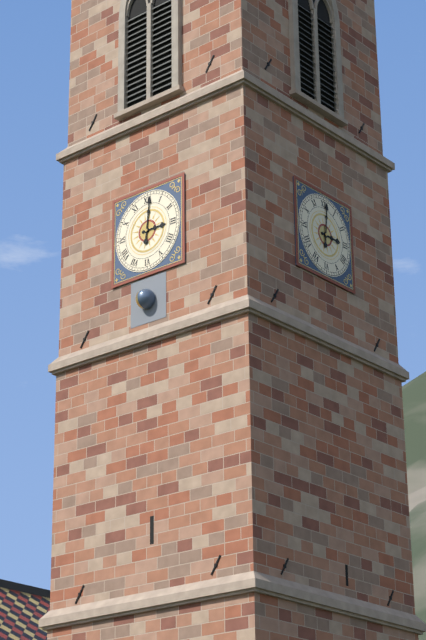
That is **3:01**
